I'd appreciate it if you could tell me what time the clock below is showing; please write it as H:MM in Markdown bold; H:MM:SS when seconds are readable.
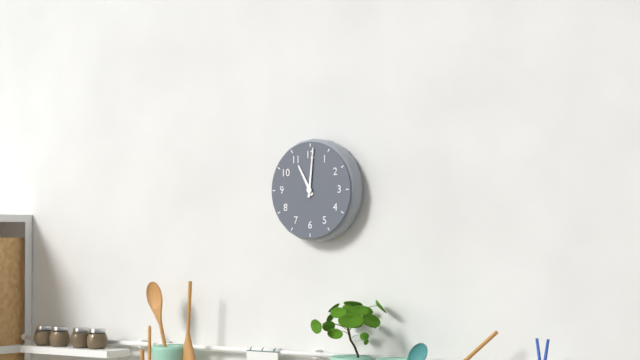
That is **11:01**
